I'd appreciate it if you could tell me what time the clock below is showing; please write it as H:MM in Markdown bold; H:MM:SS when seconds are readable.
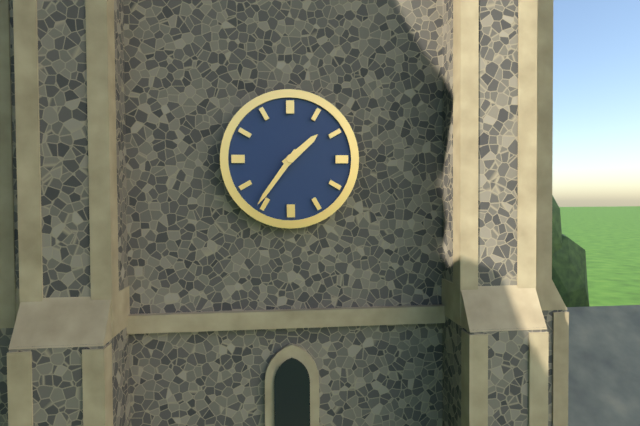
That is **1:36**
